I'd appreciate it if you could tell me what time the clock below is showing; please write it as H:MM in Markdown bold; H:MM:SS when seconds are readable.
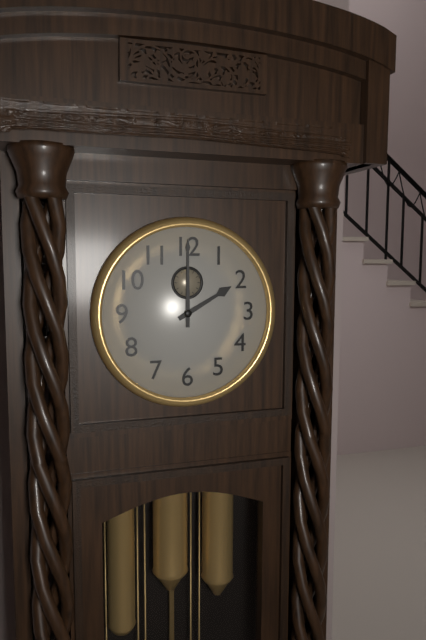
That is **2:00**
